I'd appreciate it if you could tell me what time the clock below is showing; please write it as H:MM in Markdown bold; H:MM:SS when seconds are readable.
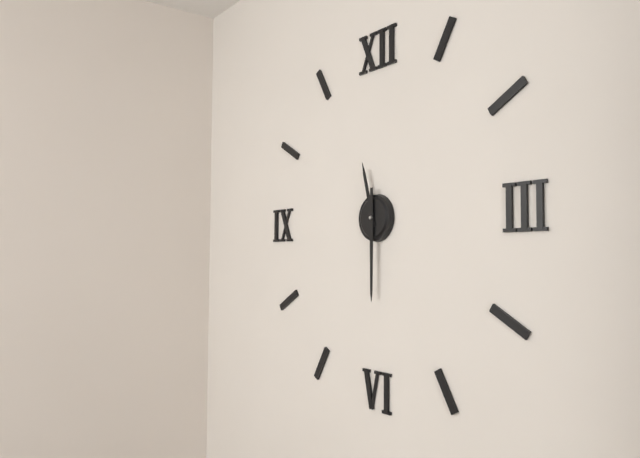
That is **11:30**
